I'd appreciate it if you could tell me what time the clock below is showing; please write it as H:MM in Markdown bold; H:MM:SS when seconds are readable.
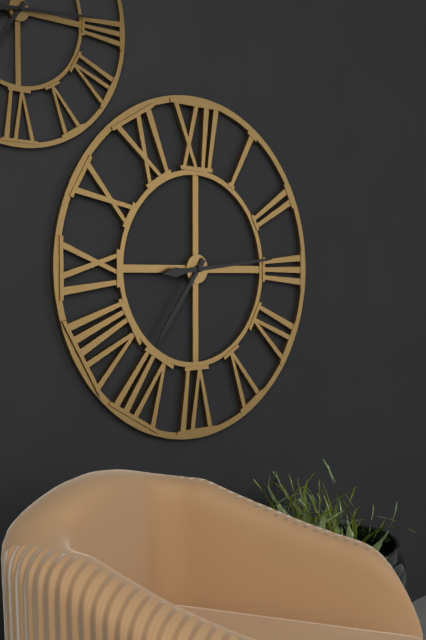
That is **7:14**
